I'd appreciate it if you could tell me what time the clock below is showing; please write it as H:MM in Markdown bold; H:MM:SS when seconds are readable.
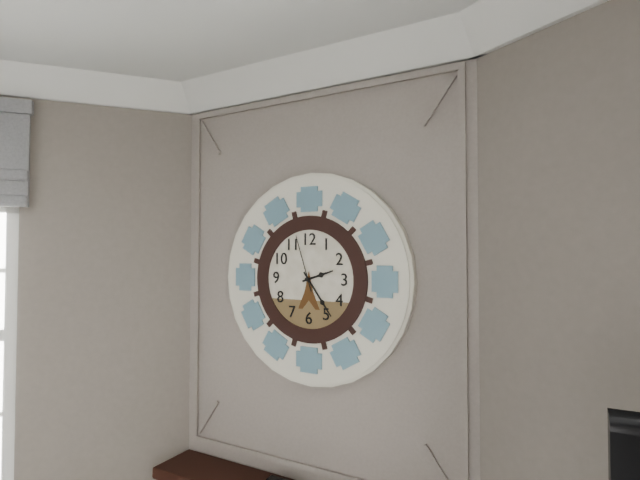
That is **2:24:57**
